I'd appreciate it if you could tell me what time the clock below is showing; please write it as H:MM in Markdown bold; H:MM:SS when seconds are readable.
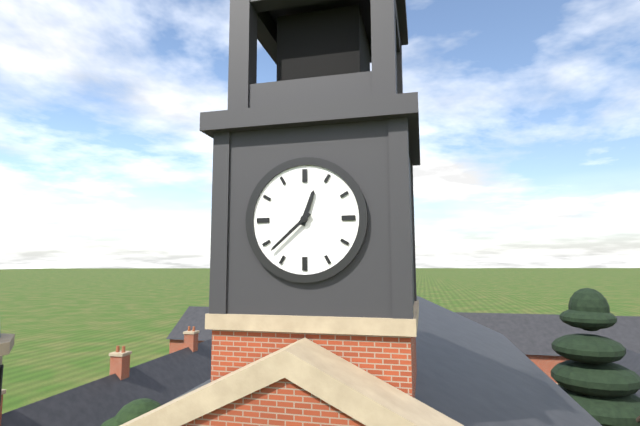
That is **12:38**
